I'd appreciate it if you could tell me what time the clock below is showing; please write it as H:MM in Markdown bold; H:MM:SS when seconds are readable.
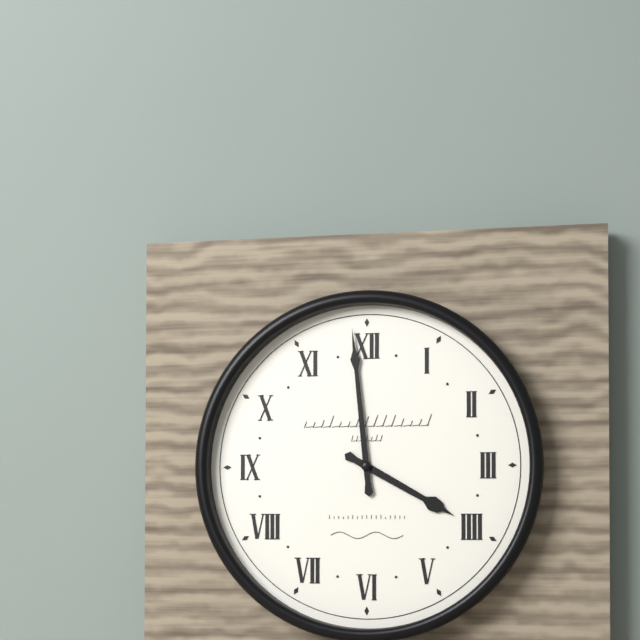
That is **3:59**
